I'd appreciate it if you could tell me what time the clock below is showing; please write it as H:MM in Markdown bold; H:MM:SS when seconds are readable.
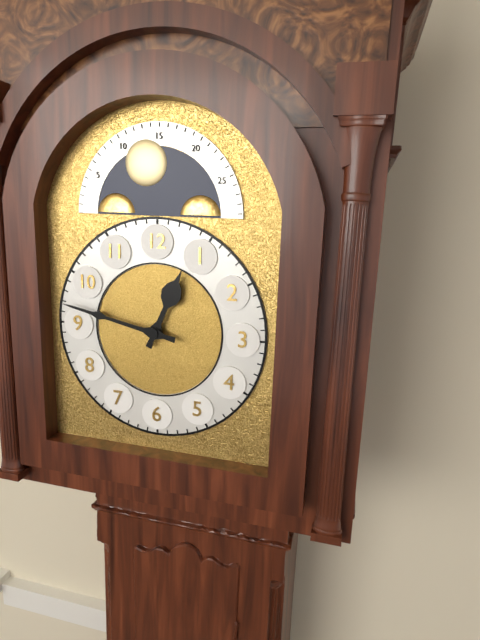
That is **12:47**
